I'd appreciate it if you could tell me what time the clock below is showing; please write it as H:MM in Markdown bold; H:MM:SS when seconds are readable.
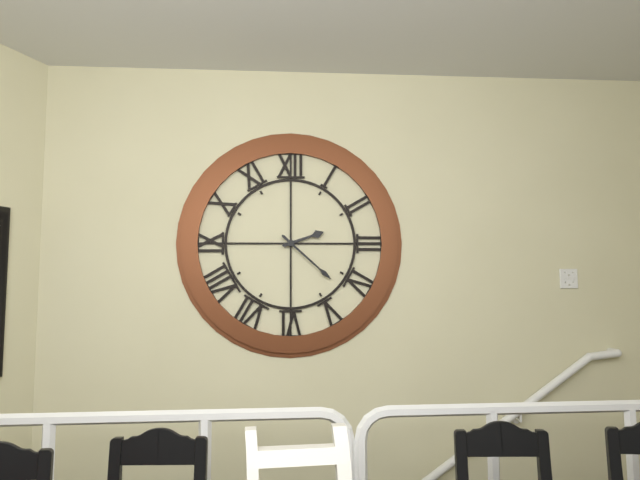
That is **2:22**
